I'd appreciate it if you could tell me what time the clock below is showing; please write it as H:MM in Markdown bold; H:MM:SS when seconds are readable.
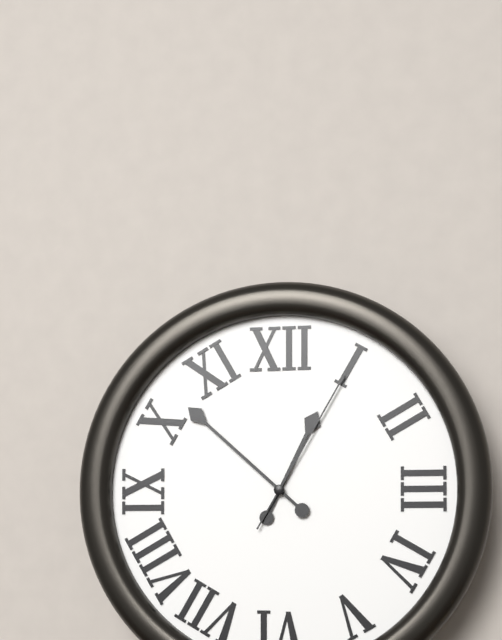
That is **12:52:05**
